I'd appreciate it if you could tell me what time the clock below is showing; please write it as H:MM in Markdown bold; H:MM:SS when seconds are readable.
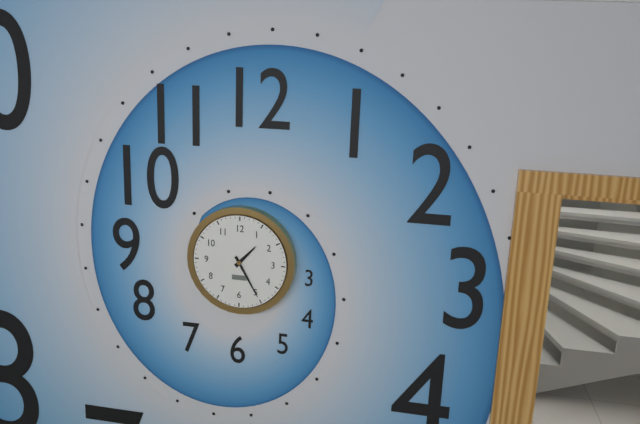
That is **1:25**
